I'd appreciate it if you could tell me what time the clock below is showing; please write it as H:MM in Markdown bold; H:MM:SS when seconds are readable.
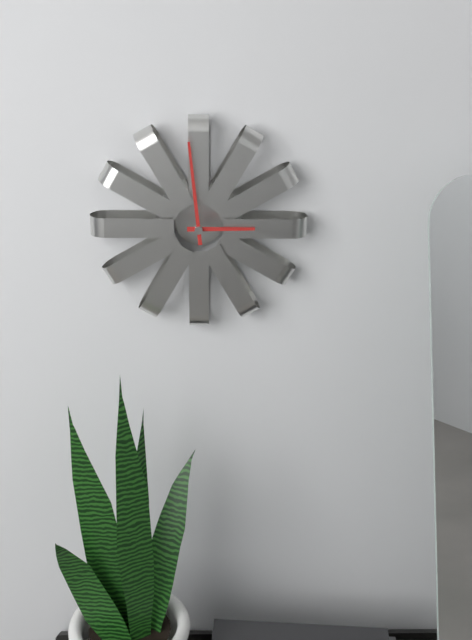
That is **2:59**
